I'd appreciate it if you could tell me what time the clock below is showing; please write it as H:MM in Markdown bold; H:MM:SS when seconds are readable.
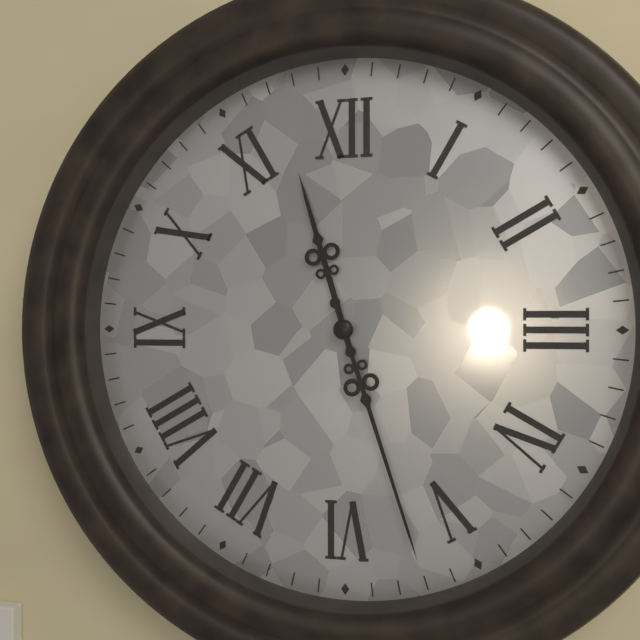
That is **11:27**
